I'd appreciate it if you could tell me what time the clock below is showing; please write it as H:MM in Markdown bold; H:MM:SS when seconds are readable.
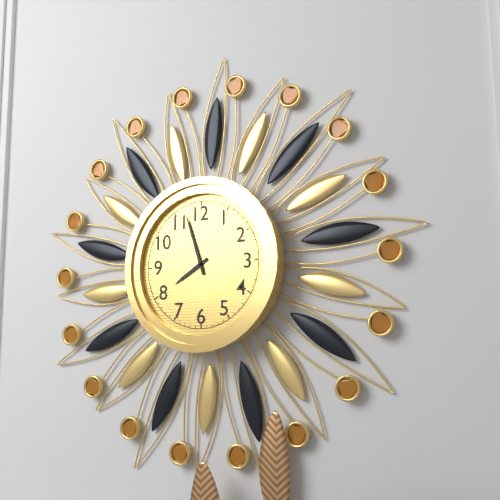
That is **7:57**
